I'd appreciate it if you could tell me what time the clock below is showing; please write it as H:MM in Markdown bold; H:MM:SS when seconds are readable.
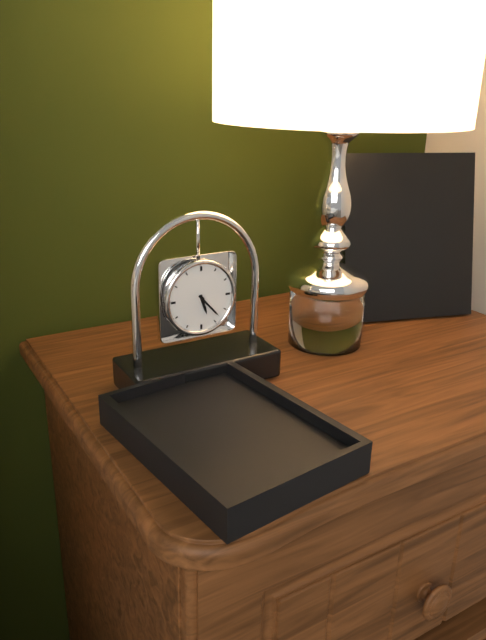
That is **5:23**
